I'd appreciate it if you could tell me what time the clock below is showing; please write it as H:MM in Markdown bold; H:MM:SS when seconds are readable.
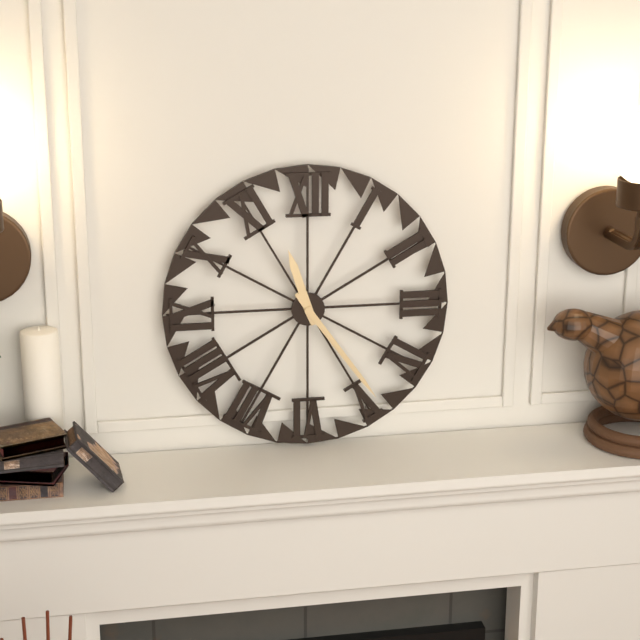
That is **11:24**
